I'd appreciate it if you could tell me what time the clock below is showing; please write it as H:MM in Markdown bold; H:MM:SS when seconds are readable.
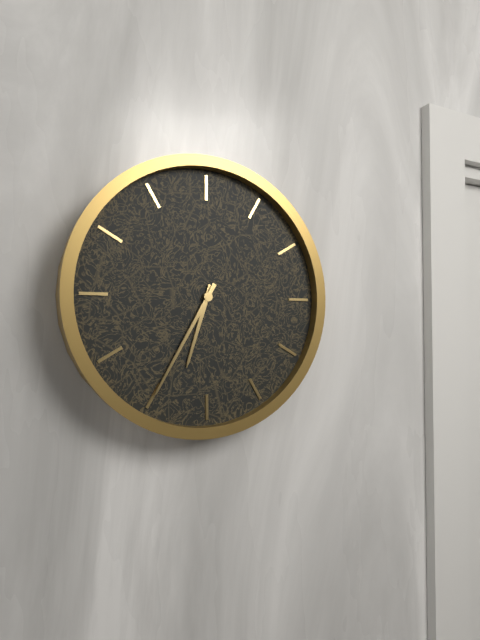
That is **6:35**
